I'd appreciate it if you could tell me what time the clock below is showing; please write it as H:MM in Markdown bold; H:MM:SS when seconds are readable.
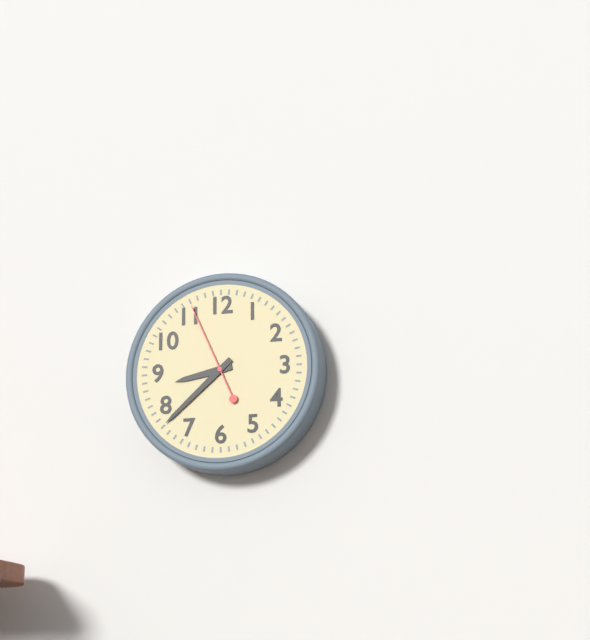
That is **8:38:56**
